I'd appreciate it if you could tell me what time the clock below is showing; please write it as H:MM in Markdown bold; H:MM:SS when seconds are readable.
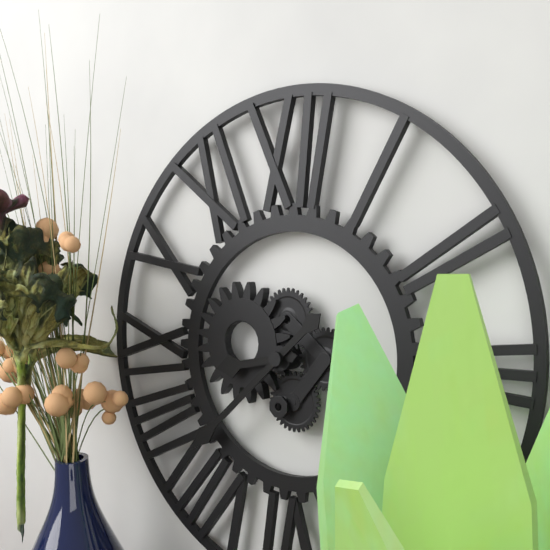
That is **8:38**
